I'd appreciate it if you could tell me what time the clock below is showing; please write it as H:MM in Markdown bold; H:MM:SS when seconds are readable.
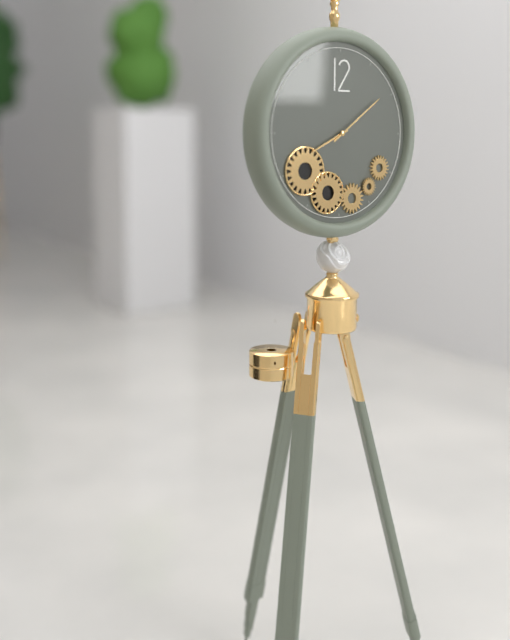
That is **8:09**
